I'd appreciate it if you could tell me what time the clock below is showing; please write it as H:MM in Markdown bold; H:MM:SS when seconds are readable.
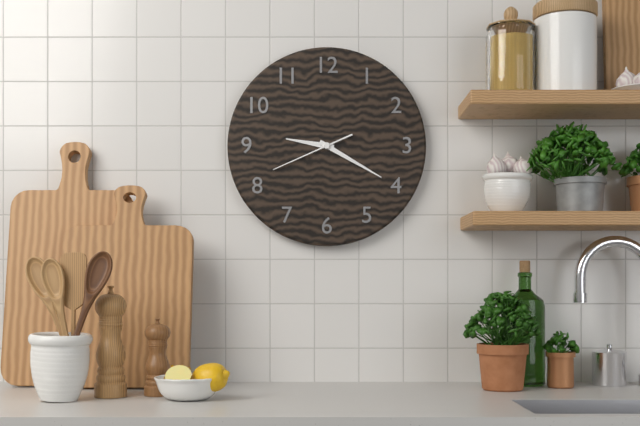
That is **9:20:41**
